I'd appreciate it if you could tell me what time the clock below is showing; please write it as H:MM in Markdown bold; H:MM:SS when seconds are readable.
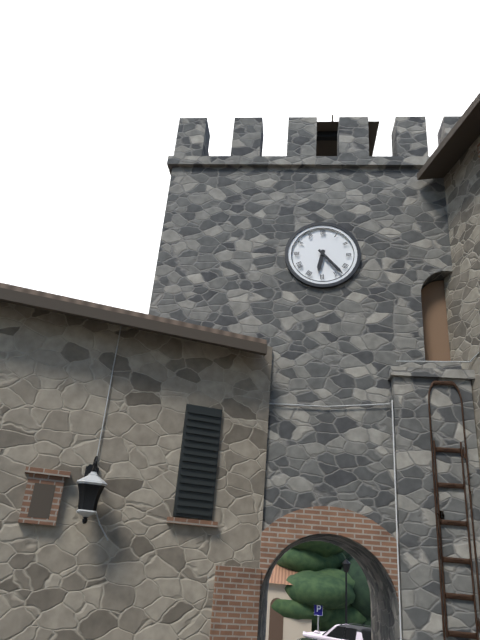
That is **6:23**
